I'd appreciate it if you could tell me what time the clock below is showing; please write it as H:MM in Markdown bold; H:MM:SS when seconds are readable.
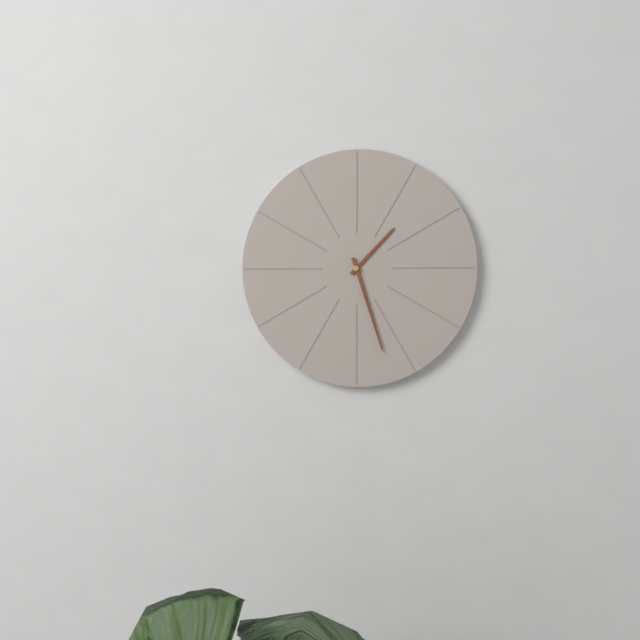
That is **1:27**
